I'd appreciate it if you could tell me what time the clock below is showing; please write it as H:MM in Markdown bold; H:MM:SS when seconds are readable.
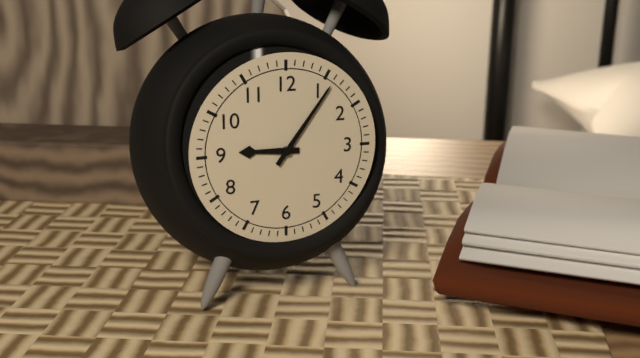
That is **9:06**
